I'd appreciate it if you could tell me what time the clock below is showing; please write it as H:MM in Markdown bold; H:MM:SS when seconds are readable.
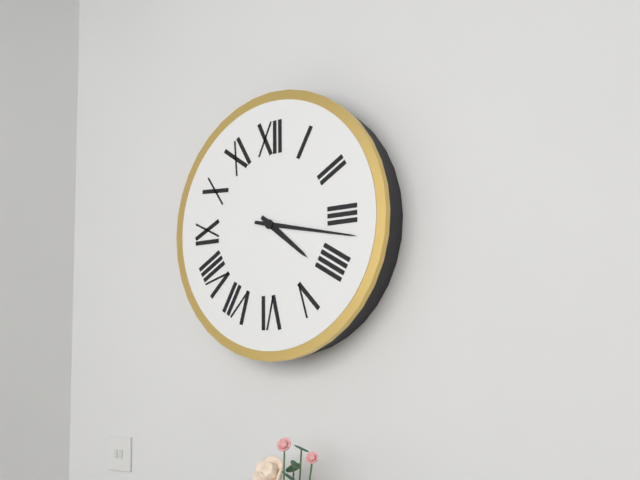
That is **4:17**
